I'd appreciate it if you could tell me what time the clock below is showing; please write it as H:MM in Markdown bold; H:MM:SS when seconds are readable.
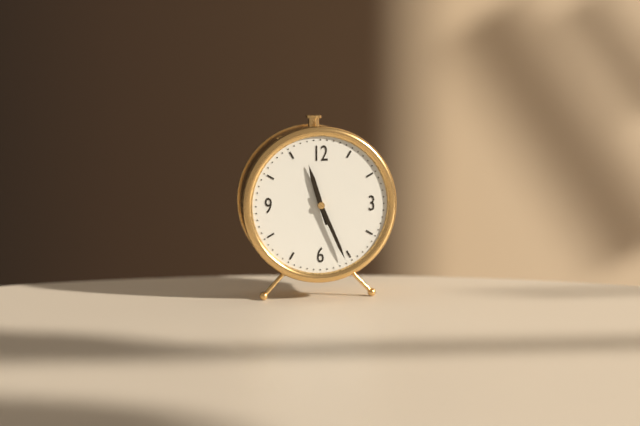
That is **11:26**
